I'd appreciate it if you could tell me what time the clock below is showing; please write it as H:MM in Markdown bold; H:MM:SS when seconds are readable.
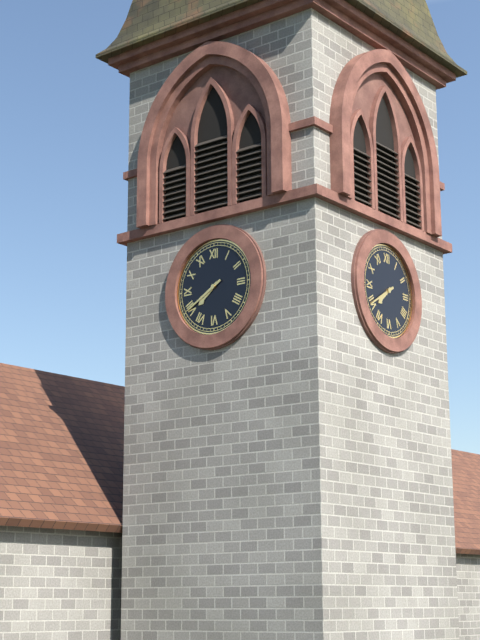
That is **7:40**
